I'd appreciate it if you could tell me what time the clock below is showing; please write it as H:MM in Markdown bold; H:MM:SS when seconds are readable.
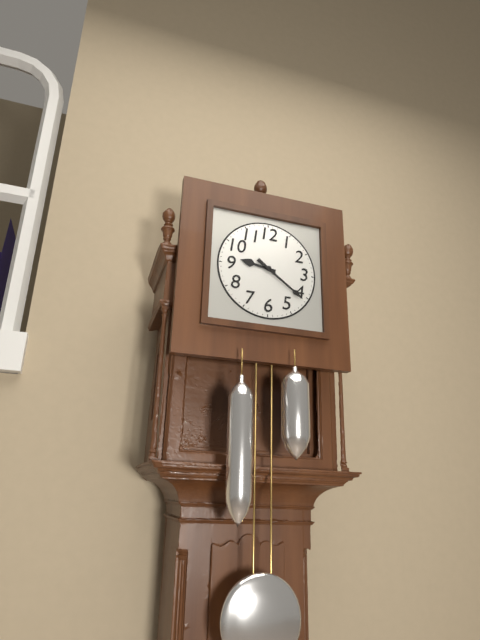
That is **9:21**
